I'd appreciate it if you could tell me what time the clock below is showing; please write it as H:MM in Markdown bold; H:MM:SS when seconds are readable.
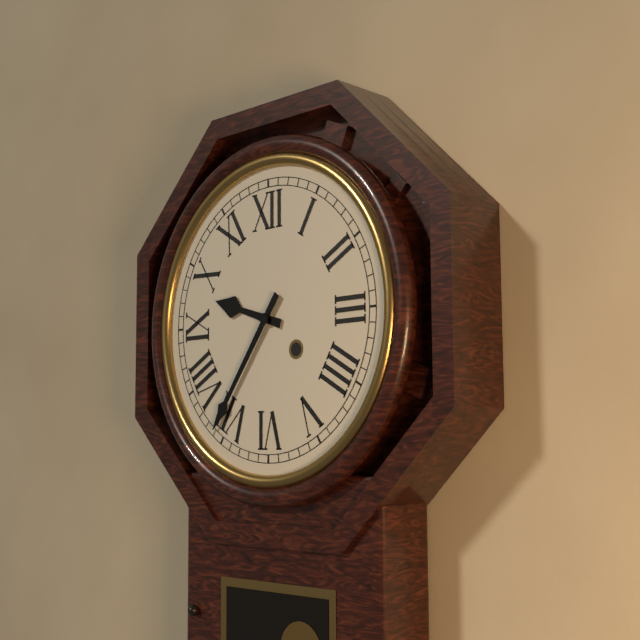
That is **9:36**
